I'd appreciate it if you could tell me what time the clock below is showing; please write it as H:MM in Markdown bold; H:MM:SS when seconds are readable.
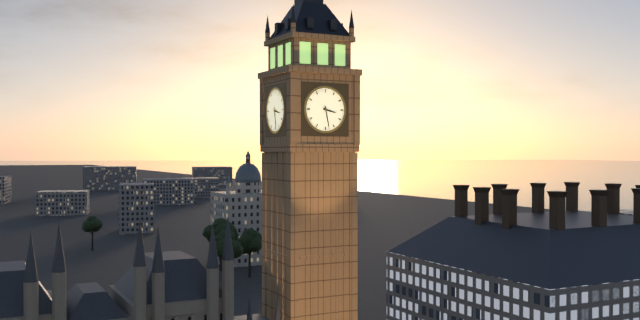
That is **3:28**
